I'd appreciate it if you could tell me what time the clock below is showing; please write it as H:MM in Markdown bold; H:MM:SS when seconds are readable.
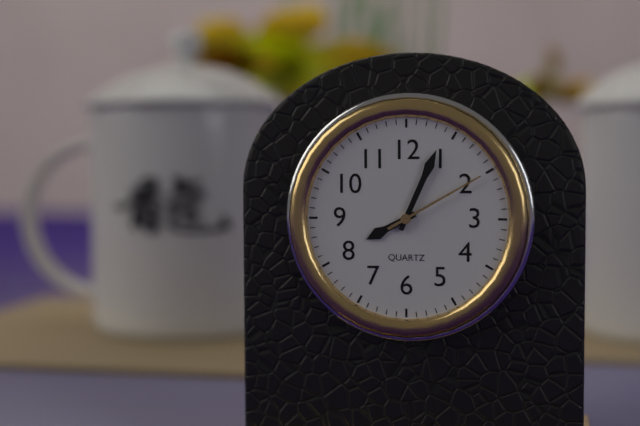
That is **8:04:10**
